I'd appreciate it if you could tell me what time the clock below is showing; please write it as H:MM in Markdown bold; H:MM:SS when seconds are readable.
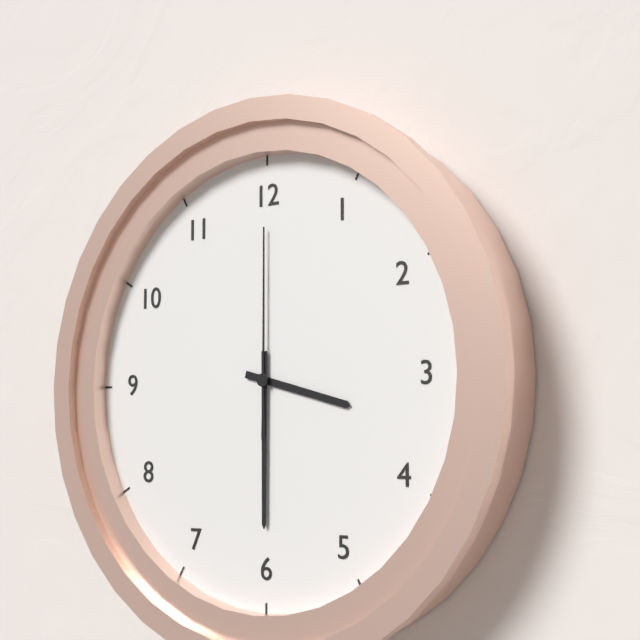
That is **3:30:00**
